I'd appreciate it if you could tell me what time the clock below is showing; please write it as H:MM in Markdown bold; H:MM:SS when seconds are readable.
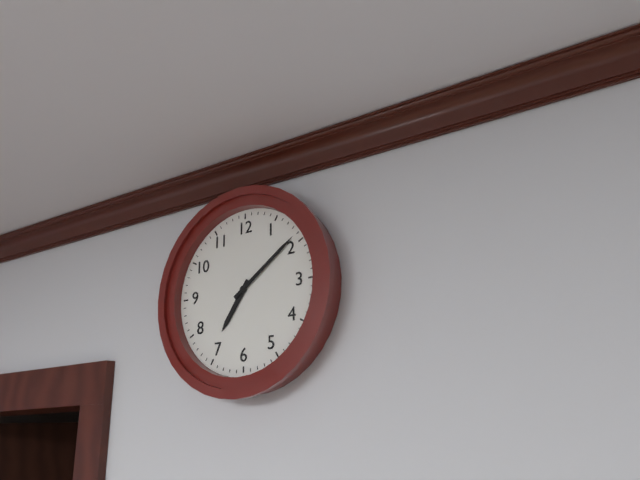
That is **7:09**
